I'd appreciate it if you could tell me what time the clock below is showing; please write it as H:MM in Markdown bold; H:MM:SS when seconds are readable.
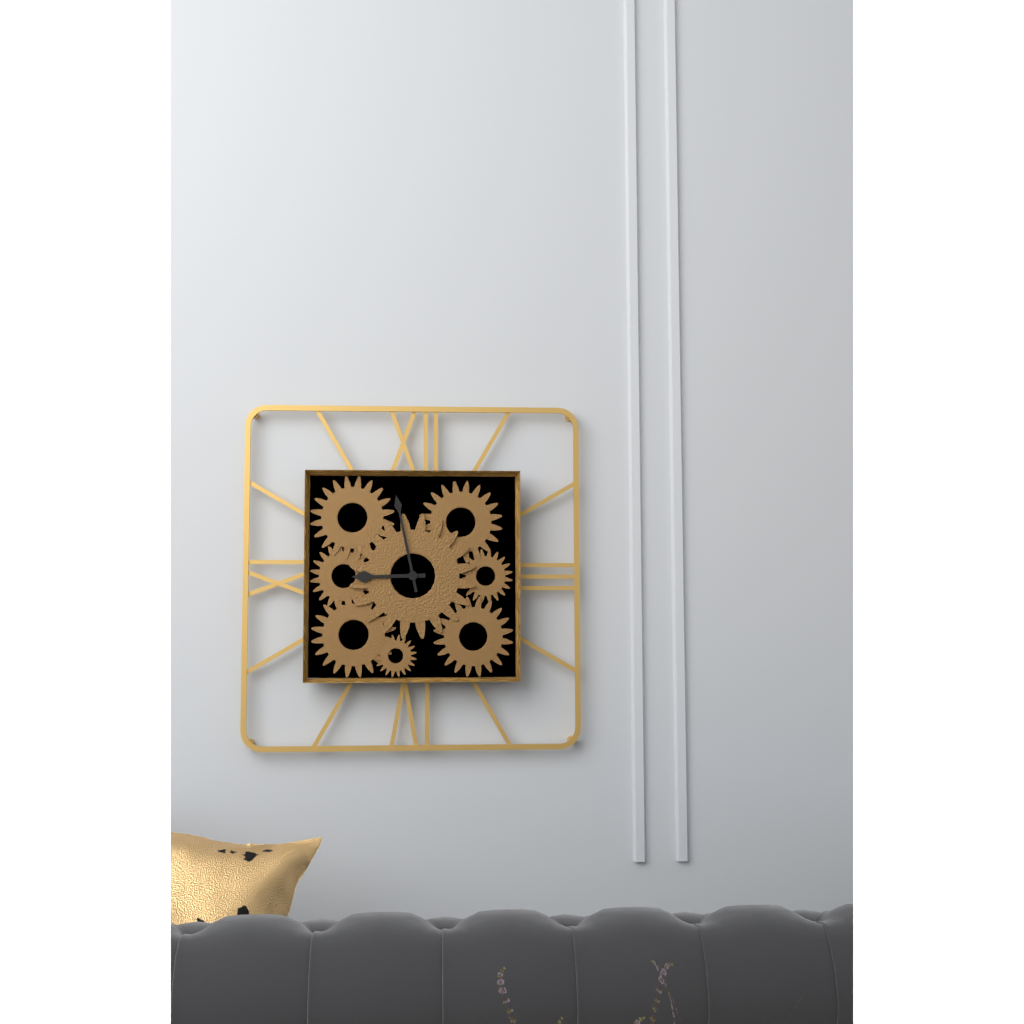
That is **8:58**
